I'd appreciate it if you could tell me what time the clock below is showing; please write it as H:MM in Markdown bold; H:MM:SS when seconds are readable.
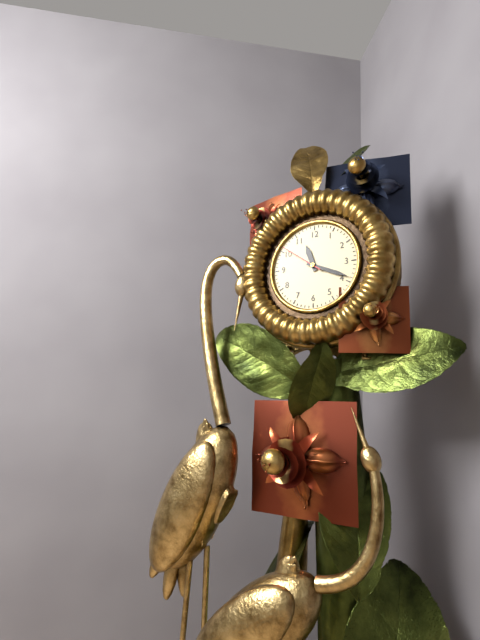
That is **11:19**
